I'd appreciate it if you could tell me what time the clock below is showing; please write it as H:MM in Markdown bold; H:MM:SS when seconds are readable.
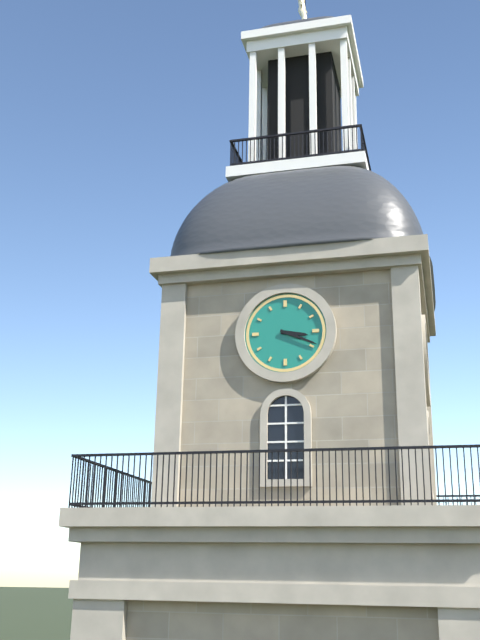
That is **3:19**
